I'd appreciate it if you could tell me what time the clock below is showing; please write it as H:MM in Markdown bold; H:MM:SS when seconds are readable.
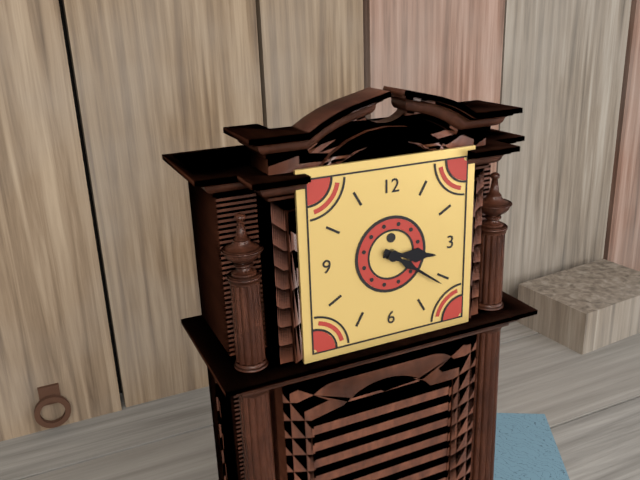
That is **3:21**
